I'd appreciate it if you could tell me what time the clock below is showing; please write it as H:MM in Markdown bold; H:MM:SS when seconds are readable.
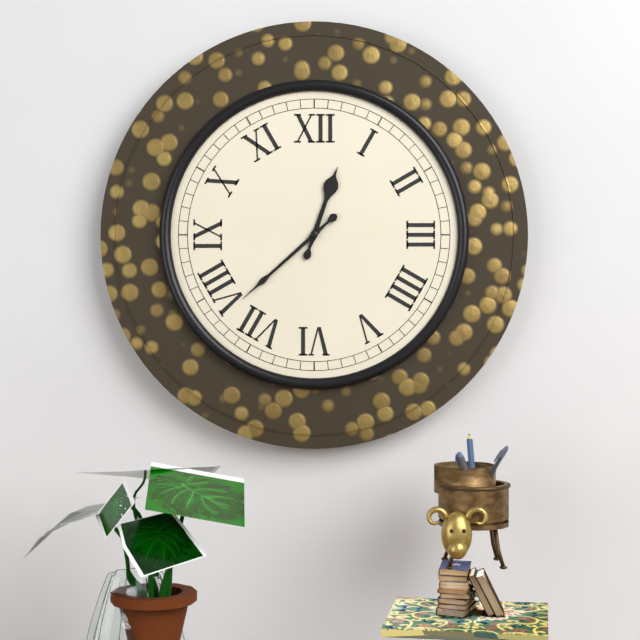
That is **12:38**
